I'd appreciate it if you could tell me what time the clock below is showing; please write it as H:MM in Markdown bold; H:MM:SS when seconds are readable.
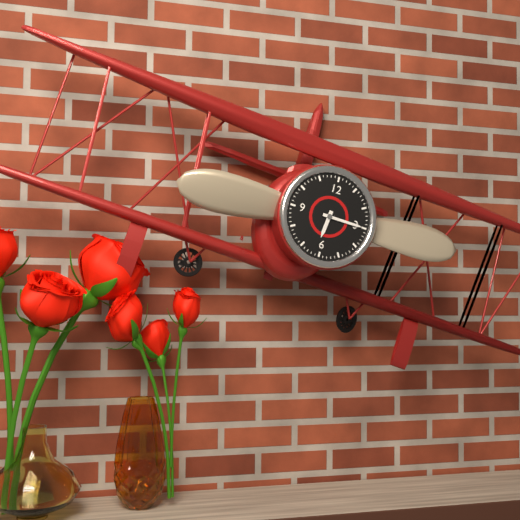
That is **6:15**
